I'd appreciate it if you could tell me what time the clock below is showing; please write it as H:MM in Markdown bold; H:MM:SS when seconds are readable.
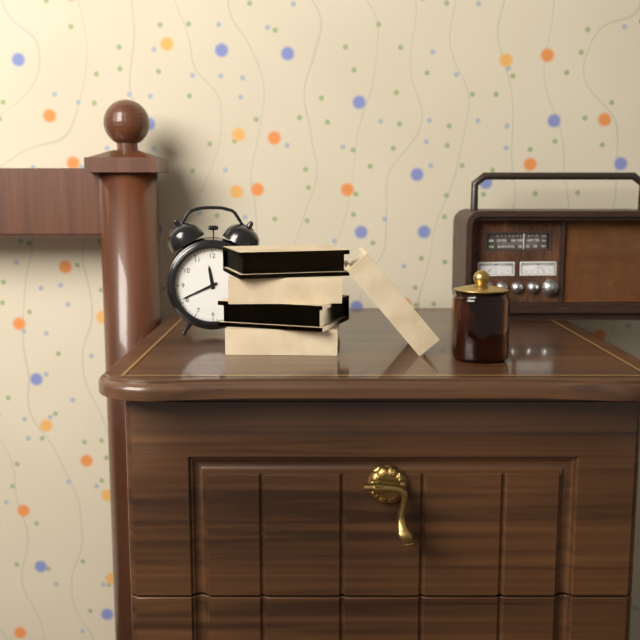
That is **11:41**
